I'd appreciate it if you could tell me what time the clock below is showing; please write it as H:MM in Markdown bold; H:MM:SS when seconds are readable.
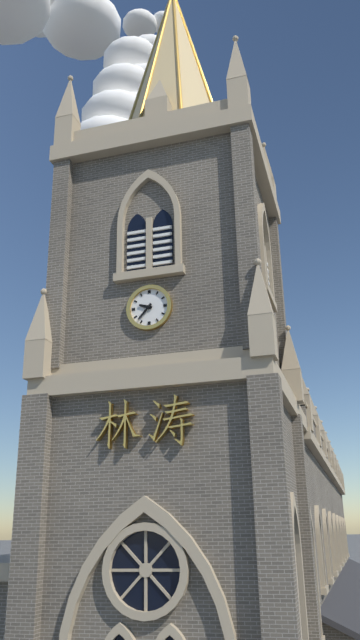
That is **9:37**
